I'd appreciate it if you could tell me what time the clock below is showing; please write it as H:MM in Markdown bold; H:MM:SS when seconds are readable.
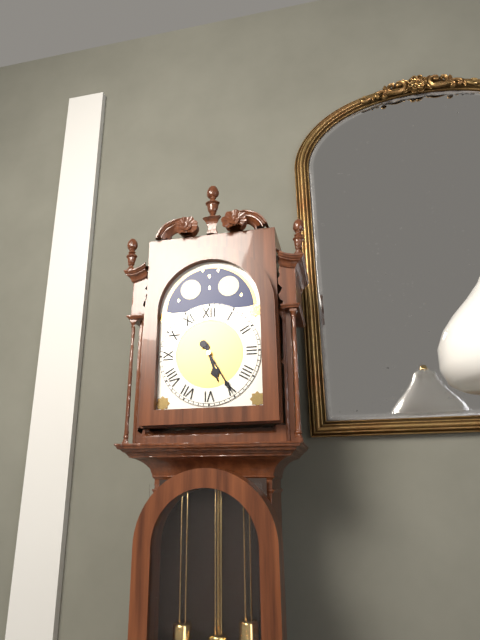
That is **5:25**
